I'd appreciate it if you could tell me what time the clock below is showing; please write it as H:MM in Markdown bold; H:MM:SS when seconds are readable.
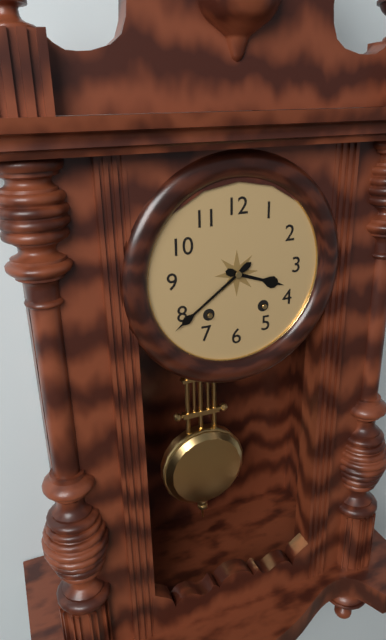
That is **3:39**
